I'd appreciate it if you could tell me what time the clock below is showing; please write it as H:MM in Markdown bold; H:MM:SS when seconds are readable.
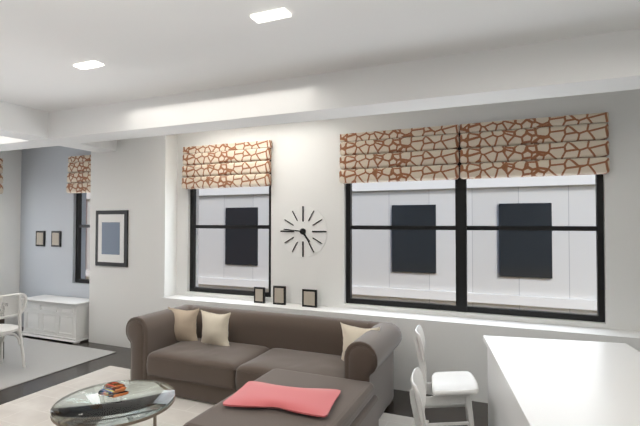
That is **4:46**
